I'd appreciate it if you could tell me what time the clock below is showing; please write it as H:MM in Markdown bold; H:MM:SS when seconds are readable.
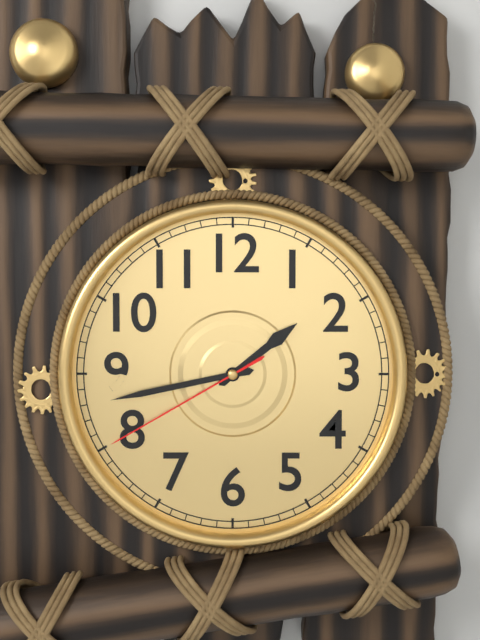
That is **1:43:40**
